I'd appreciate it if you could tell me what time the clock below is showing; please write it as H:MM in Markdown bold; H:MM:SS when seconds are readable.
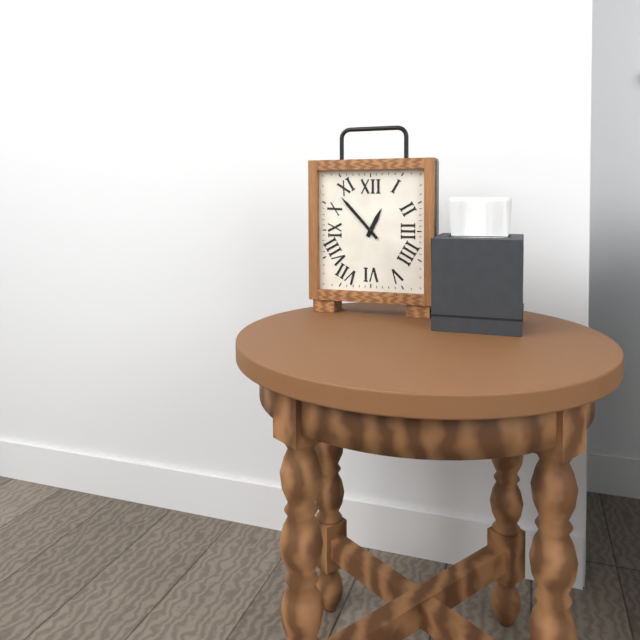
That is **12:53**
